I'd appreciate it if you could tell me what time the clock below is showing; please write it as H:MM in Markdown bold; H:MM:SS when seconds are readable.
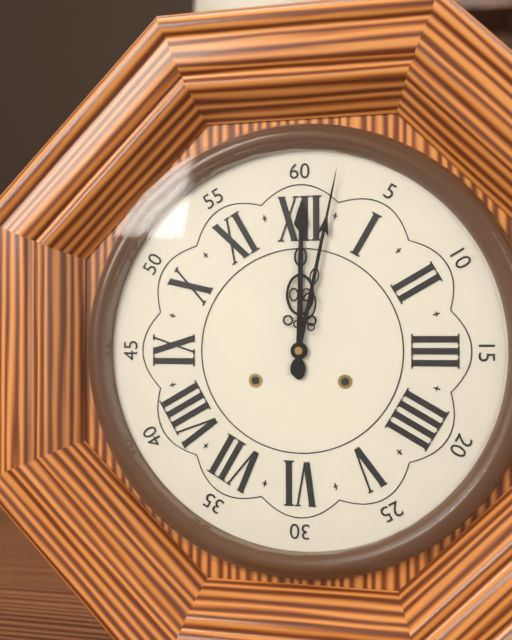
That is **12:02**
